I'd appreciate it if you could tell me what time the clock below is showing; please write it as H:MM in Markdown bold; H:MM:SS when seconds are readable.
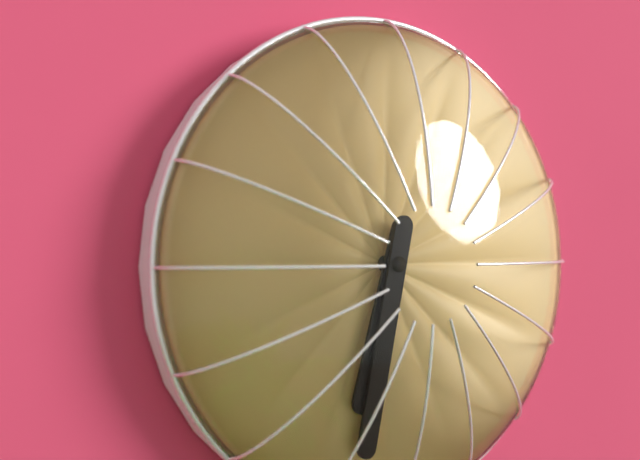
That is **6:32**
